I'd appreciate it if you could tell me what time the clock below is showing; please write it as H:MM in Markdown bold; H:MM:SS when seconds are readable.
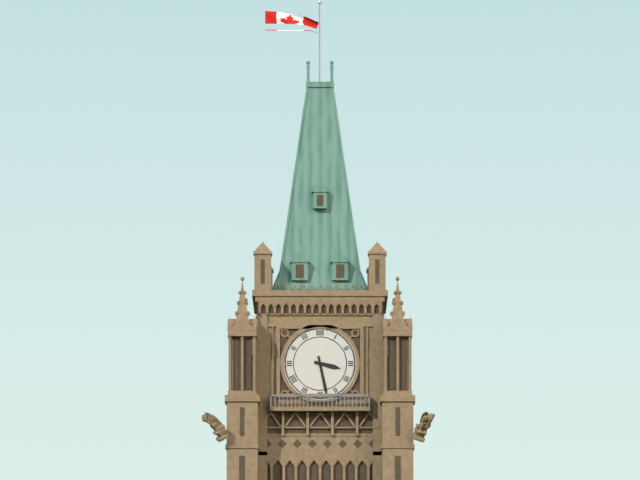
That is **3:28**
